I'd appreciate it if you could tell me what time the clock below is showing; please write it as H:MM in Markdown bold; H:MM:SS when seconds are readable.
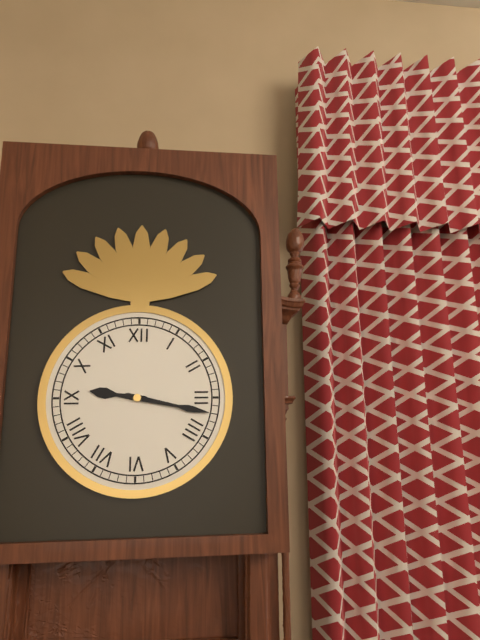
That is **9:17**
